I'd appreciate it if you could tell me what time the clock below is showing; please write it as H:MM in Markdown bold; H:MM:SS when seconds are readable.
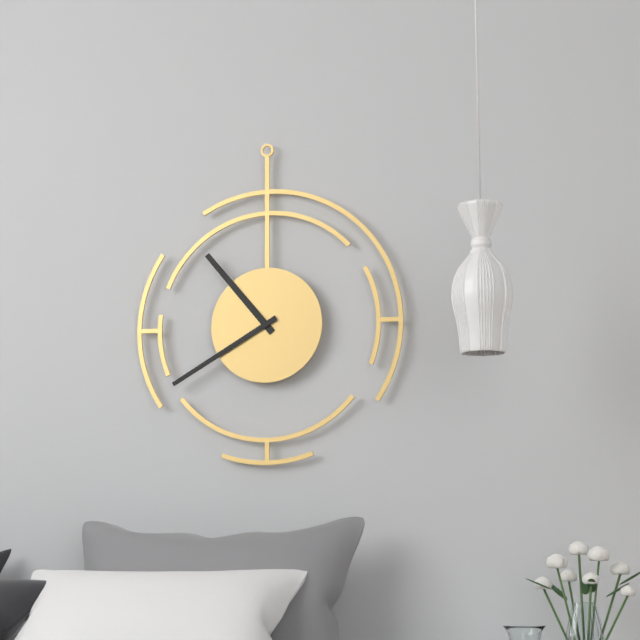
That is **10:40**
